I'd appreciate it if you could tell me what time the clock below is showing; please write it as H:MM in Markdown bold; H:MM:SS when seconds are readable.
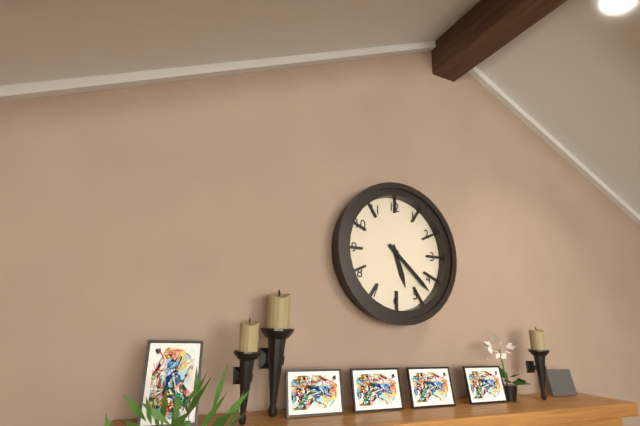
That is **5:22**
